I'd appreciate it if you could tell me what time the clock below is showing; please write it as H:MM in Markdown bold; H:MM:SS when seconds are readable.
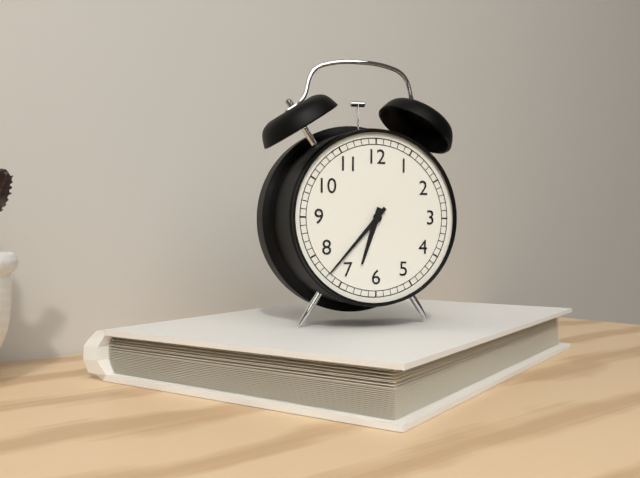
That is **6:37**
